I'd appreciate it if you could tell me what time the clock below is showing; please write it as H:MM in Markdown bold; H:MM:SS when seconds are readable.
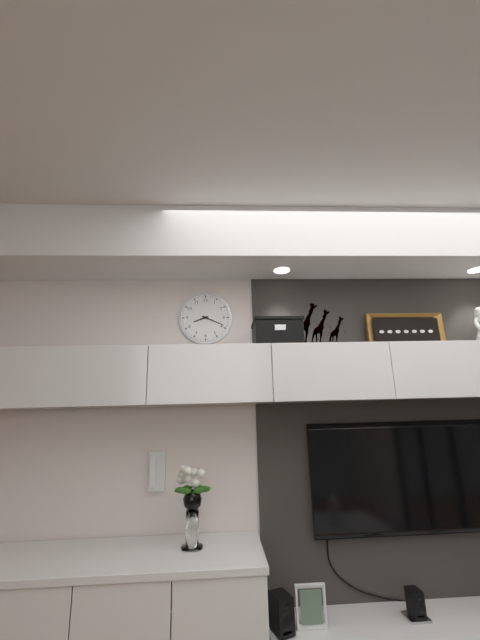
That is **8:19**
